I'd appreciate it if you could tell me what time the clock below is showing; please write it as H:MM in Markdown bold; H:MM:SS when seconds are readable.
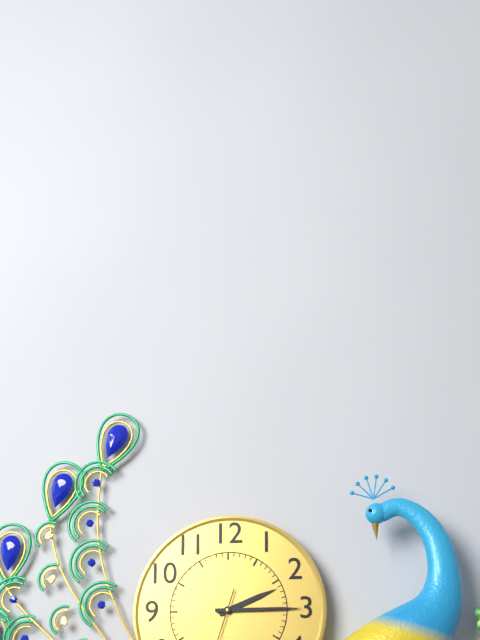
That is **2:15**
